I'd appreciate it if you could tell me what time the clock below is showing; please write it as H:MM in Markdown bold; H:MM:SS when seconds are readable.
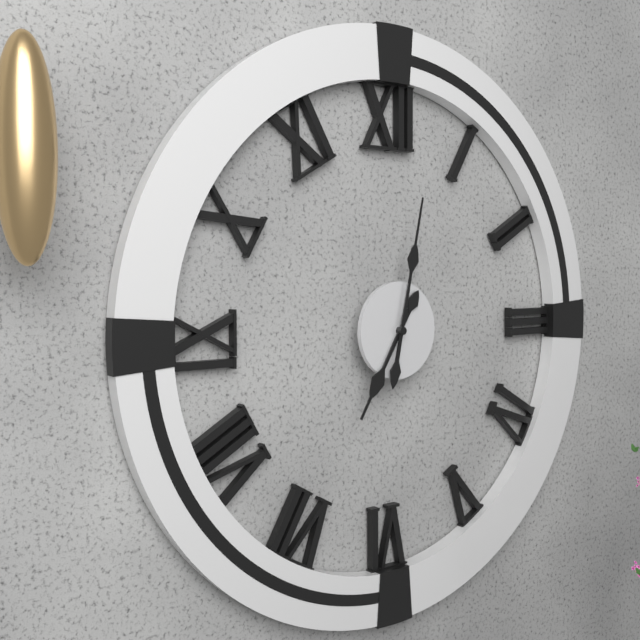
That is **7:02**
